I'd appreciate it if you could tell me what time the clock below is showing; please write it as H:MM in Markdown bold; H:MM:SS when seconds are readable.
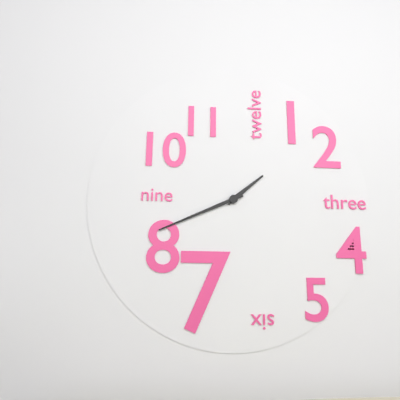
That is **1:41**
